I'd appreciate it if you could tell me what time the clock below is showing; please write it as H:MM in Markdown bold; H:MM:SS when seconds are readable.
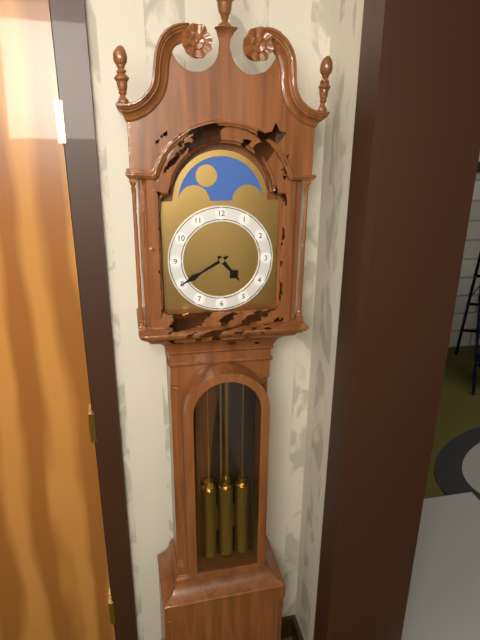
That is **4:40**
